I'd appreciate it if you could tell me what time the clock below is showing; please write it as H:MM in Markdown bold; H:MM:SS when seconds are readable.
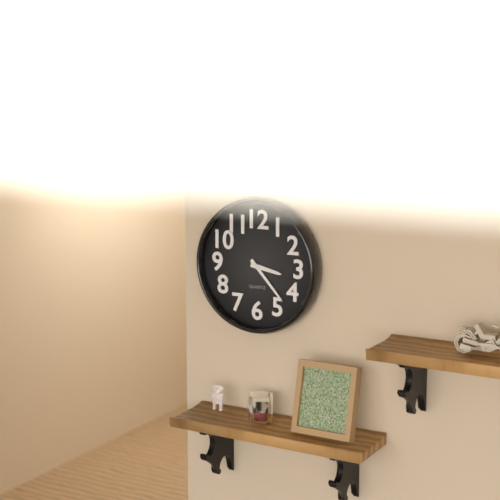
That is **3:23**
